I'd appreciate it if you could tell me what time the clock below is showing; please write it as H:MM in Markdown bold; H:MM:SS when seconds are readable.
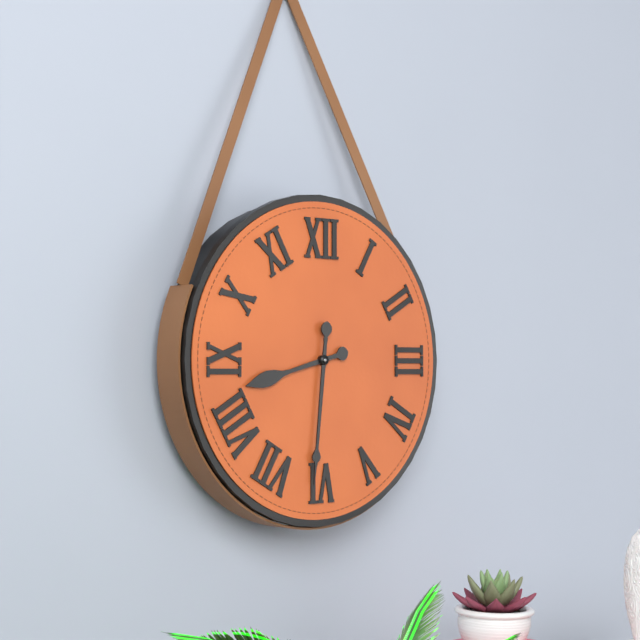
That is **8:31**
